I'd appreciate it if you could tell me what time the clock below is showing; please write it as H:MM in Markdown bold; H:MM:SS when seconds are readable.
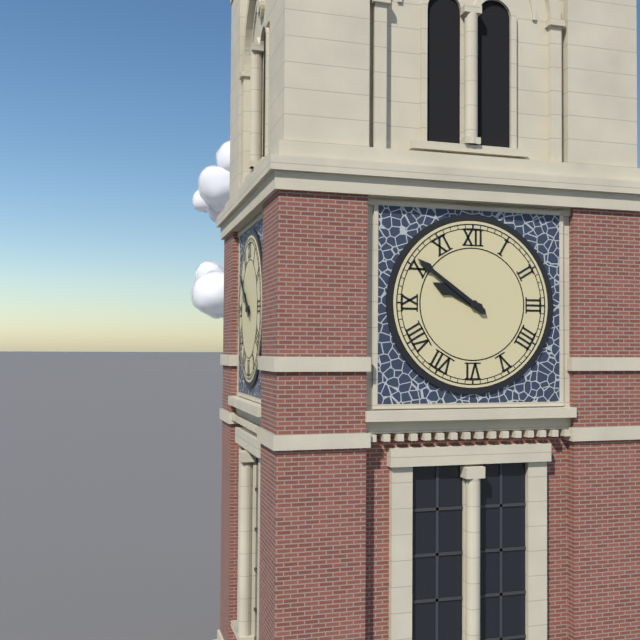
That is **9:51**
